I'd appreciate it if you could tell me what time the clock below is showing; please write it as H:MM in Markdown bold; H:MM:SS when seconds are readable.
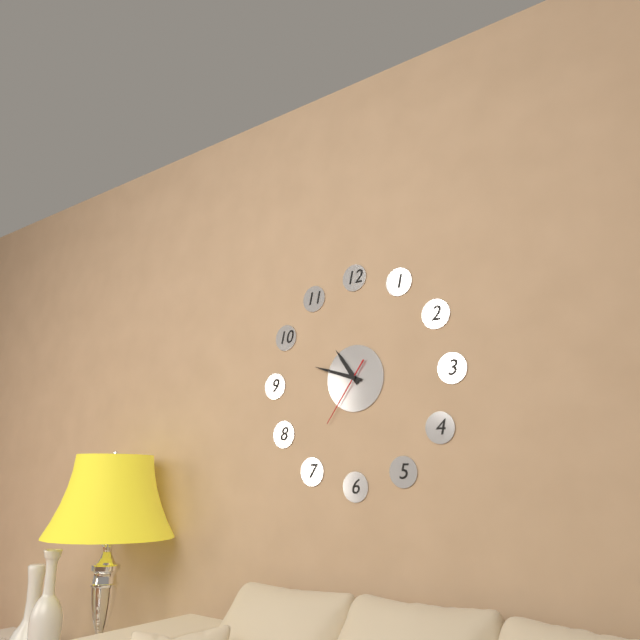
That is **10:48:36**
